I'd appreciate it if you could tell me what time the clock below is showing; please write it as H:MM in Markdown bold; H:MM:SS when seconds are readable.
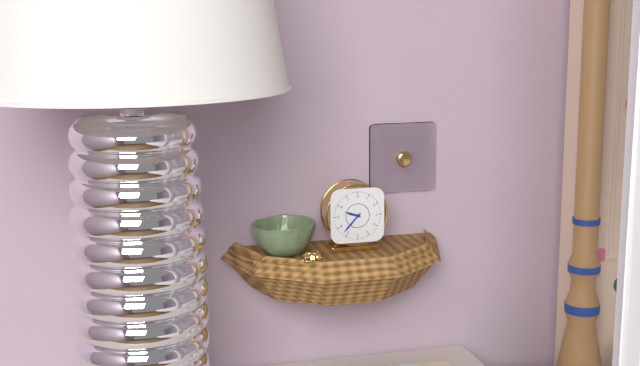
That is **9:37**
